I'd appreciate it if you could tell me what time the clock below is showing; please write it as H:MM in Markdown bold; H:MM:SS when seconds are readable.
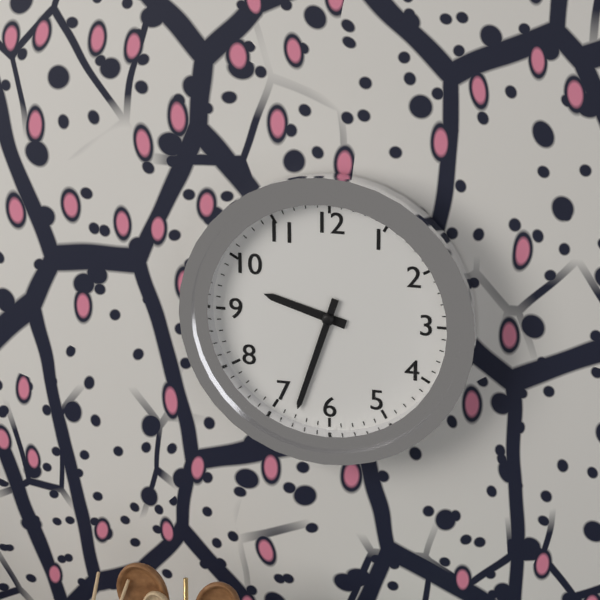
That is **9:33**
